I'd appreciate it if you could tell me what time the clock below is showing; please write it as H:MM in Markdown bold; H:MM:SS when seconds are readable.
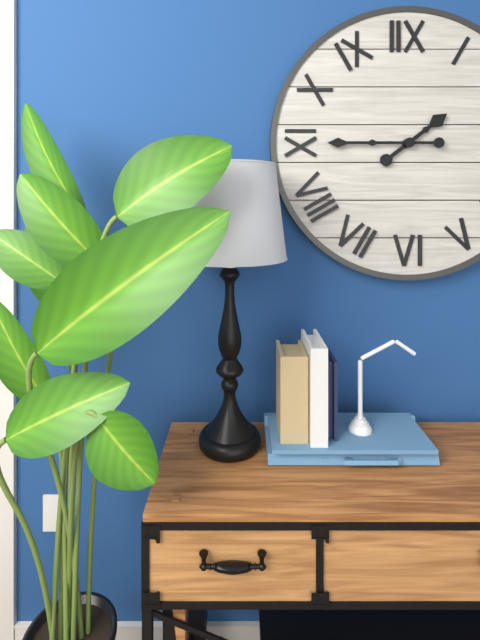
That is **1:45**
